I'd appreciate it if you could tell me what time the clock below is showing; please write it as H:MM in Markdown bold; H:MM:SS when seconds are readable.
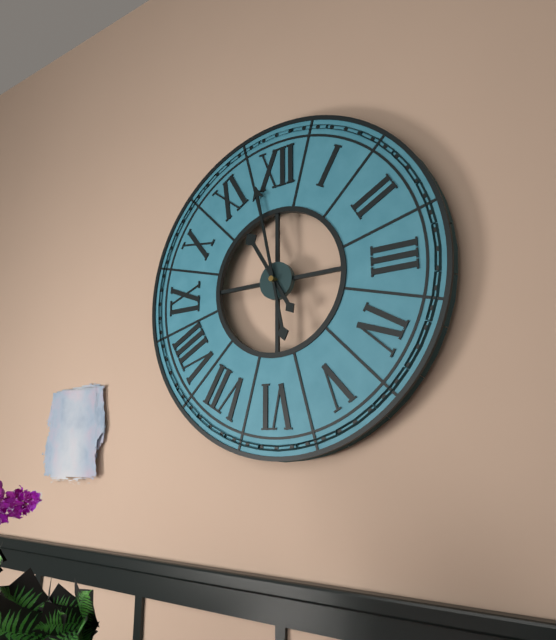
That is **10:58**
